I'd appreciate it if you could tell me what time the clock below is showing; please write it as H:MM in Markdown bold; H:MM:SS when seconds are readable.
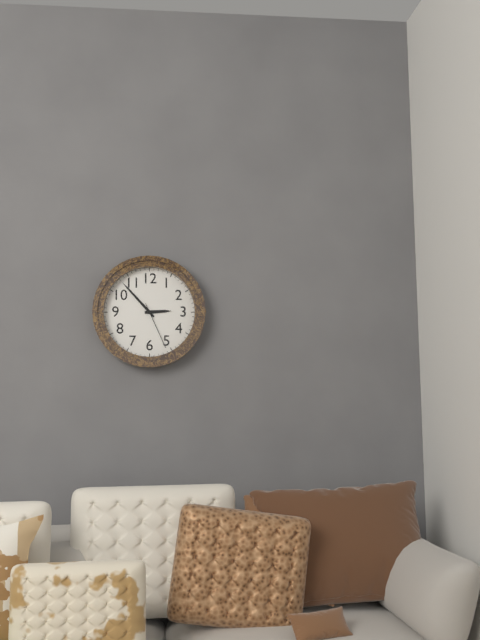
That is **2:53**
